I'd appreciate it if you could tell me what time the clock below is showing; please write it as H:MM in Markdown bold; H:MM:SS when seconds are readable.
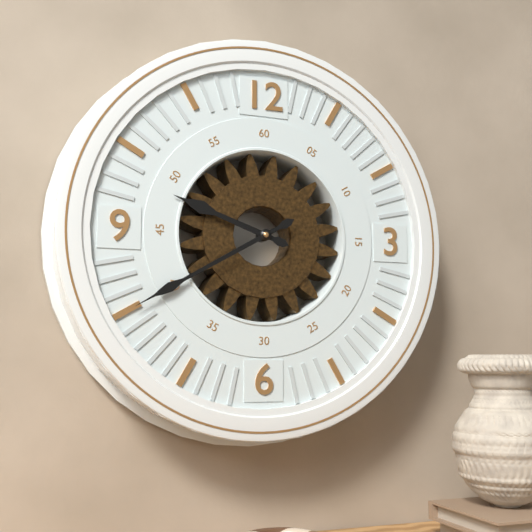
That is **9:40**
